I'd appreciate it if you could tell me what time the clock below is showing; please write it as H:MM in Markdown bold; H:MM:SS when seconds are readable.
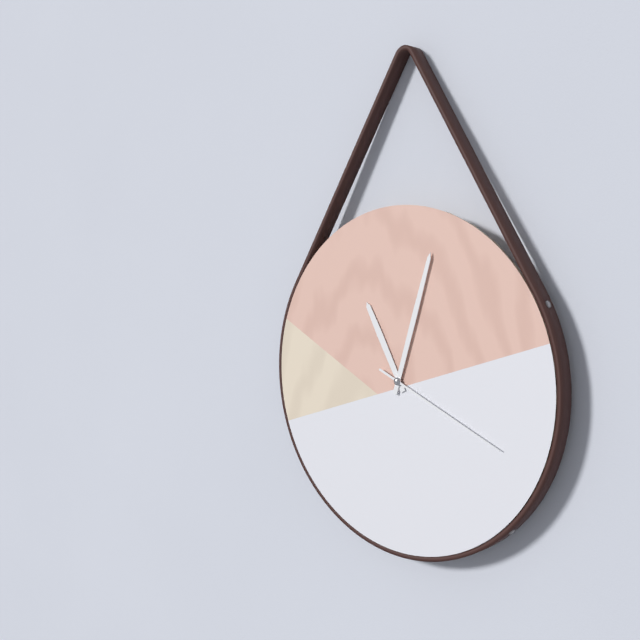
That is **11:03:19**
